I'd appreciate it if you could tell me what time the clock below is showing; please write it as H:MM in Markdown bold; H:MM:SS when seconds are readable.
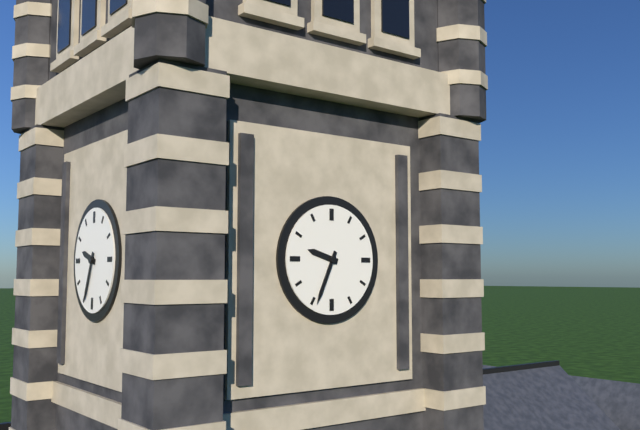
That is **9:34**
